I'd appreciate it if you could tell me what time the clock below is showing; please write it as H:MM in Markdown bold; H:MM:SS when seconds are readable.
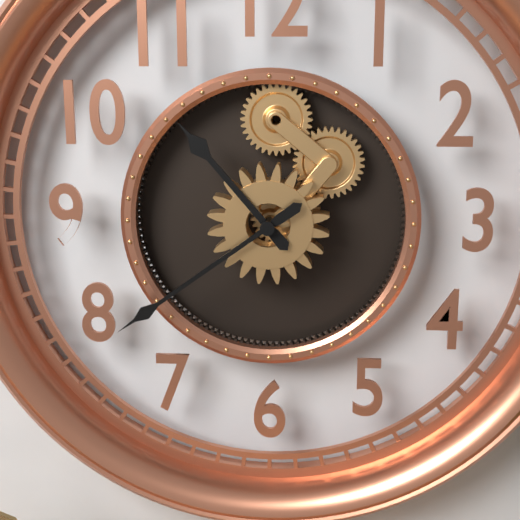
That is **10:39**
